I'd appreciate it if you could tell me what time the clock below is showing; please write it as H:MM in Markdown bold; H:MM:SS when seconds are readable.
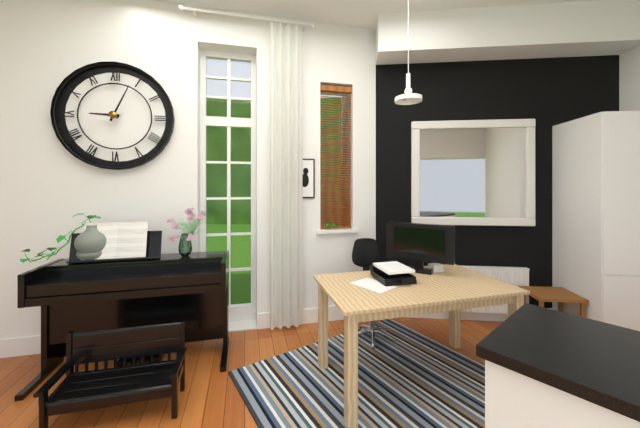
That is **9:04**
